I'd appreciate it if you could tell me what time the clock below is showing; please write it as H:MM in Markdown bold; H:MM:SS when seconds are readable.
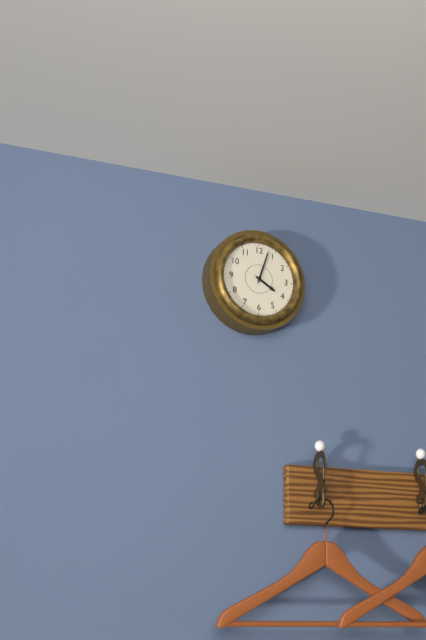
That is **4:03**
